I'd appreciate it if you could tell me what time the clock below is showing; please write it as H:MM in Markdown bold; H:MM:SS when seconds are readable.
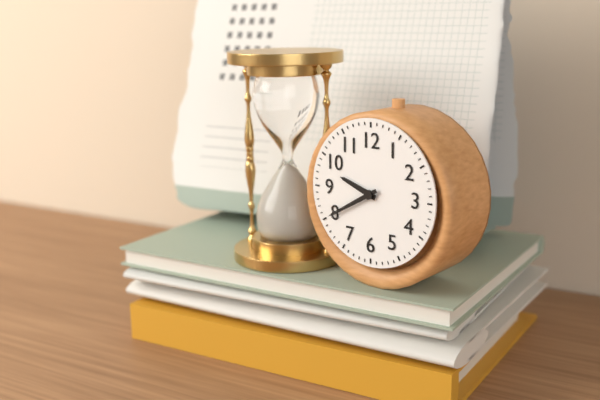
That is **9:40**
